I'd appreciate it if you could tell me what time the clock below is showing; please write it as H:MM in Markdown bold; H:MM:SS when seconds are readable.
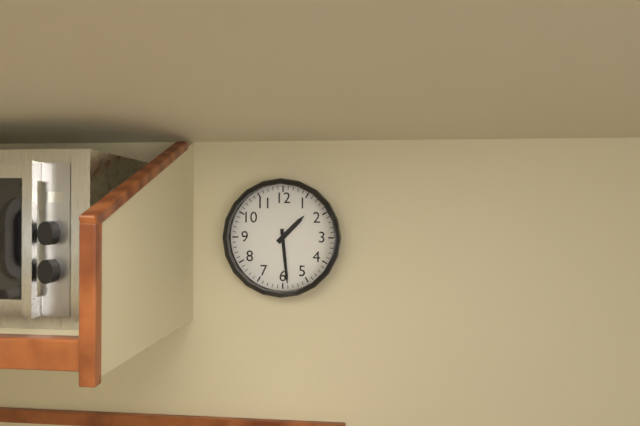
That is **1:29**
